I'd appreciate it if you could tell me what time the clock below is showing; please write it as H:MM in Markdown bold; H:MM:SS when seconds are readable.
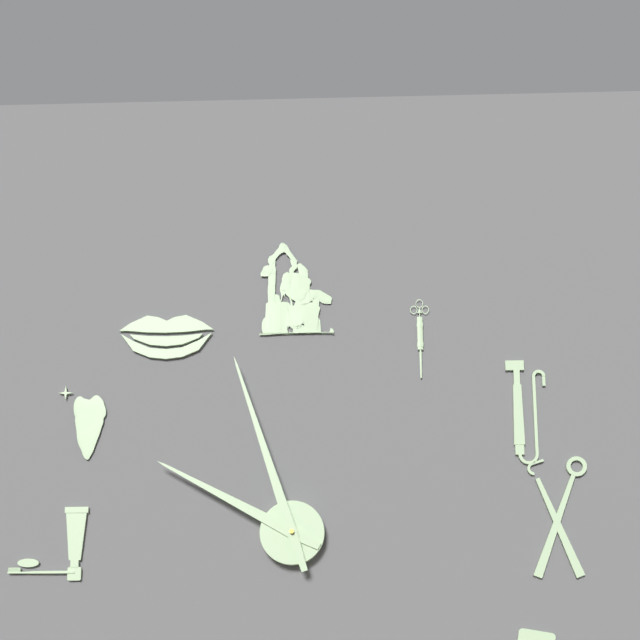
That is **9:57**
